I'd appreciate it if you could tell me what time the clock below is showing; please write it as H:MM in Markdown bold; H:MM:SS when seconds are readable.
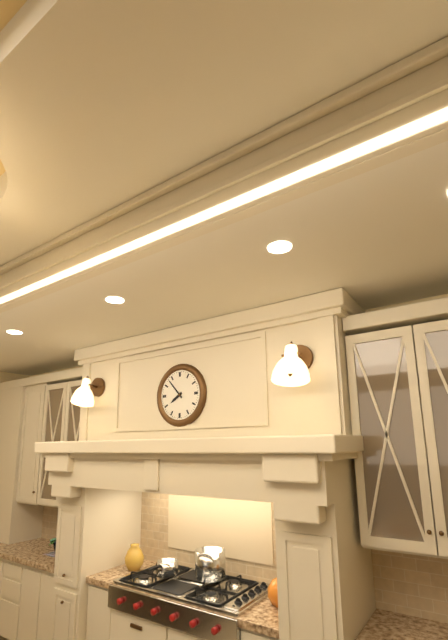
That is **7:53**
